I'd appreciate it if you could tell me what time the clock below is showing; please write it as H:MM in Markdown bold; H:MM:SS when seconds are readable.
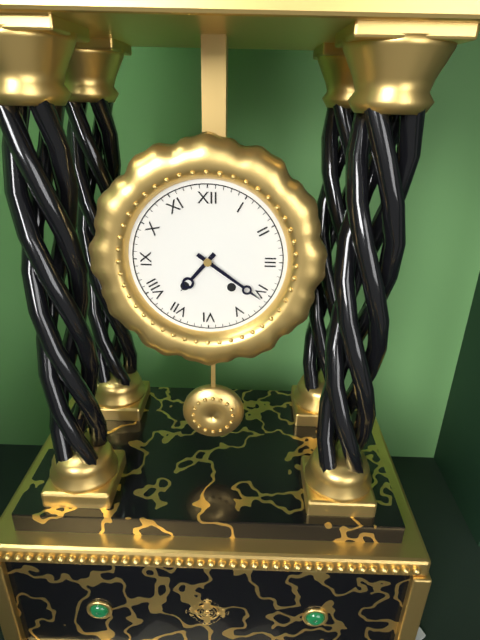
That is **7:21**
